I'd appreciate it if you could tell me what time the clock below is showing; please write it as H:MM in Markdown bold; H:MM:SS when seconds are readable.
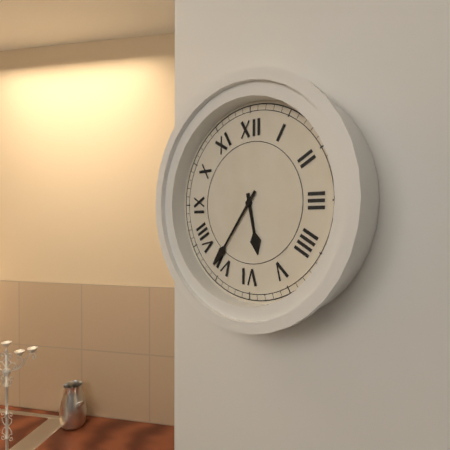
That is **5:36**
